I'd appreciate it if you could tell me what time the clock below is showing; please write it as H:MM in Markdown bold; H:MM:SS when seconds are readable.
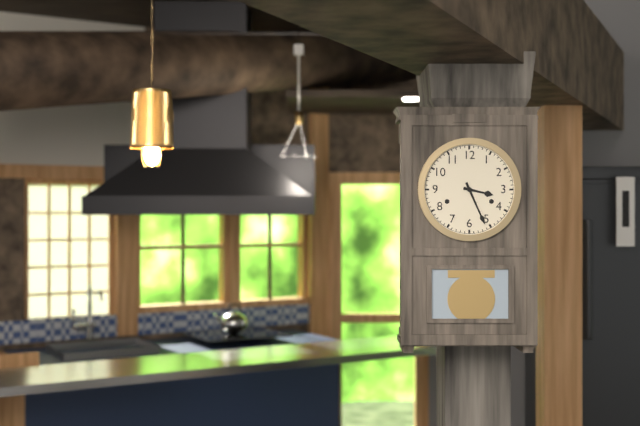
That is **3:26**
